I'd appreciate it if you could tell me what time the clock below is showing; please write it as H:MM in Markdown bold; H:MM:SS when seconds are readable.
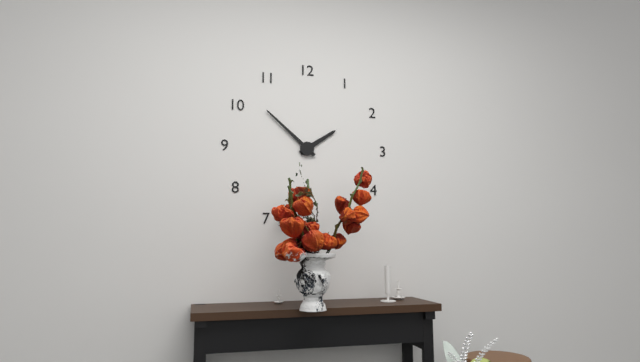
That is **1:52**
